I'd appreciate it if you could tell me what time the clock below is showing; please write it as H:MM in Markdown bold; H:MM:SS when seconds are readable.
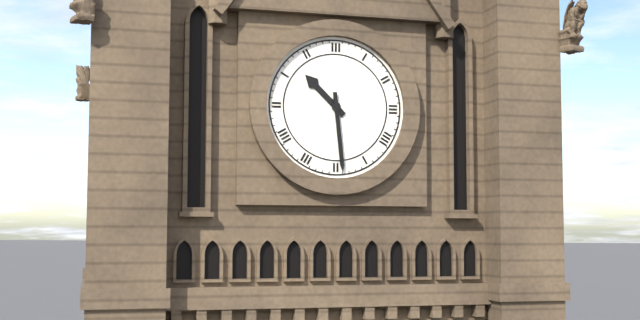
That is **10:29**
